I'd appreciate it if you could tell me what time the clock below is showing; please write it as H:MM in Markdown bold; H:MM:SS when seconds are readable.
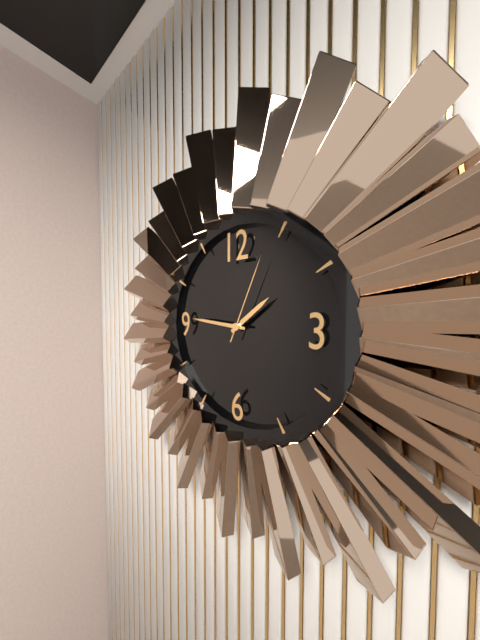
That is **1:46:04**
